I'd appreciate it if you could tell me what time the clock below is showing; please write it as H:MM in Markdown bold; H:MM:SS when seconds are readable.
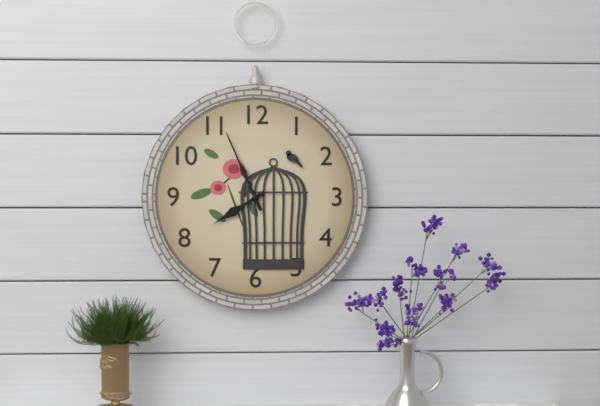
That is **7:56**
